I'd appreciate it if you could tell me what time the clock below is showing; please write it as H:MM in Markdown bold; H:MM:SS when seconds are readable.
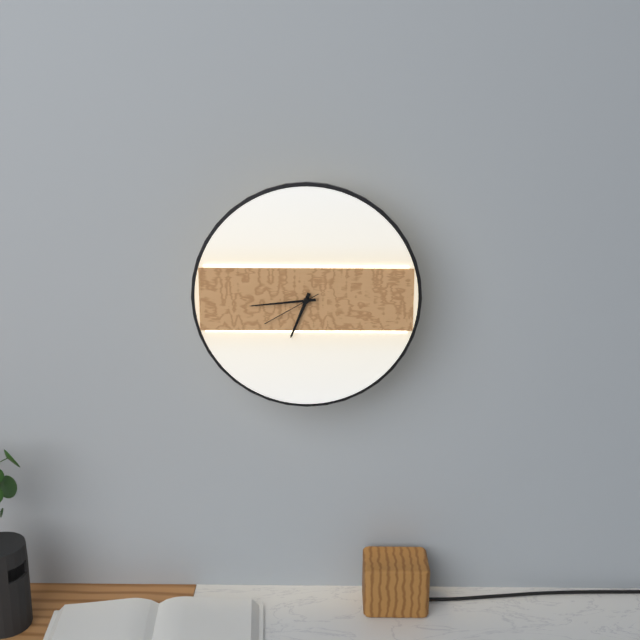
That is **6:44:40**
